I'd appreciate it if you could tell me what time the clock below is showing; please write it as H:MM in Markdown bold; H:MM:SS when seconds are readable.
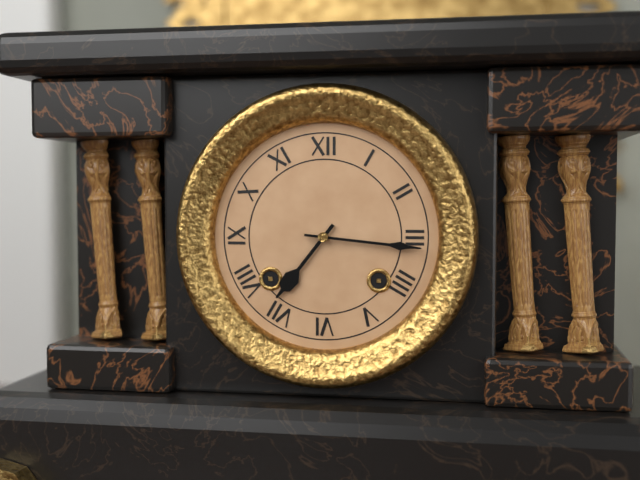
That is **7:16**
